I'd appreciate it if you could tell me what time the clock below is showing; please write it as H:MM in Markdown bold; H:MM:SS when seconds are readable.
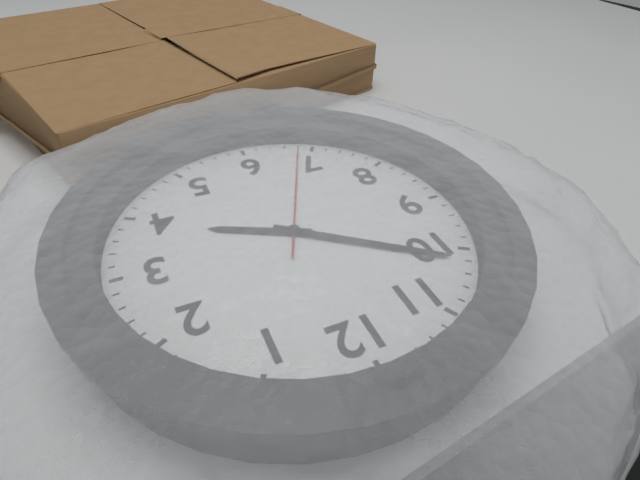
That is **3:51:34**
